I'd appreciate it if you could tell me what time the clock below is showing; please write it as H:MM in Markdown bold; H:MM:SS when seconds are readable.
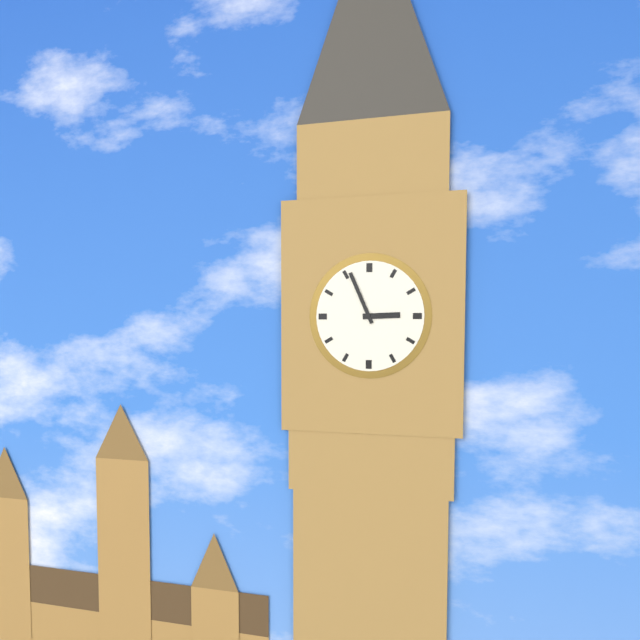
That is **2:56**
